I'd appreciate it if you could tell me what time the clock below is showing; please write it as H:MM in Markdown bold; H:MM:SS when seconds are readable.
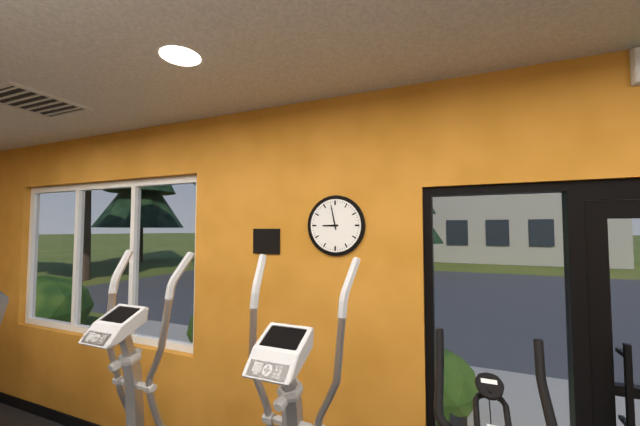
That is **8:58**
